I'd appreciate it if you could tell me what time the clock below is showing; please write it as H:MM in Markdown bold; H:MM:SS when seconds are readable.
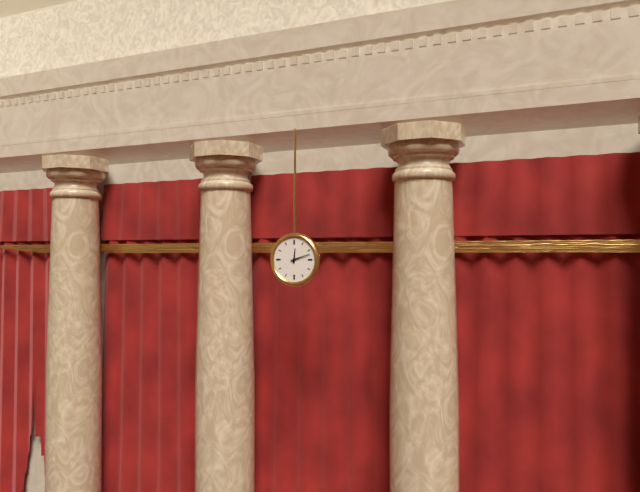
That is **12:12**
